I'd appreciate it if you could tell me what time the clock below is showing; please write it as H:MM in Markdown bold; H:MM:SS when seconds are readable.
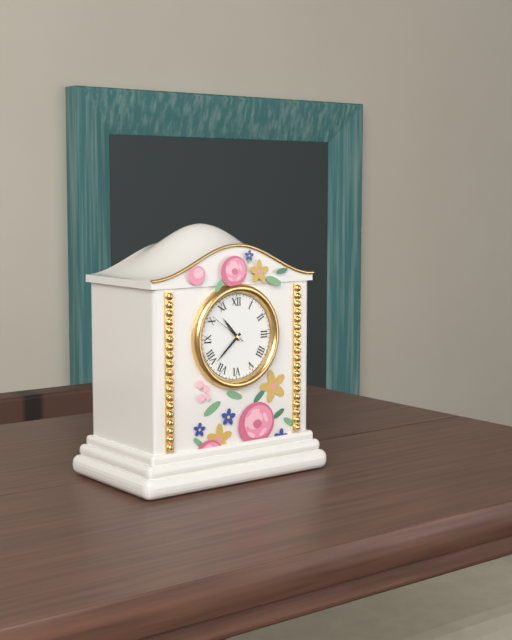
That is **10:38**
